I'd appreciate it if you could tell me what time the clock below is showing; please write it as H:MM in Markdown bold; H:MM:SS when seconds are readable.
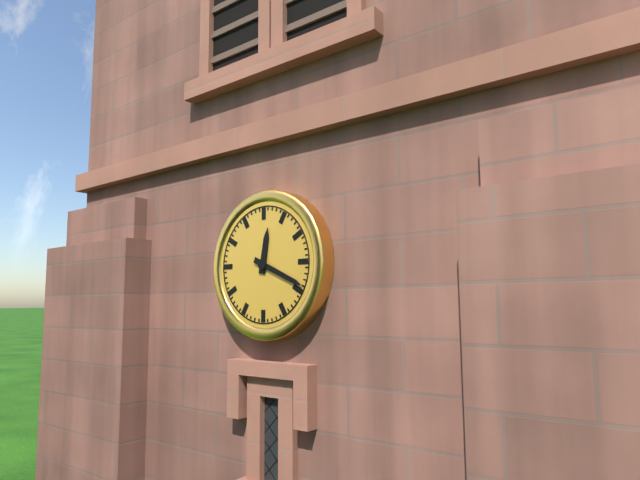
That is **12:19**
